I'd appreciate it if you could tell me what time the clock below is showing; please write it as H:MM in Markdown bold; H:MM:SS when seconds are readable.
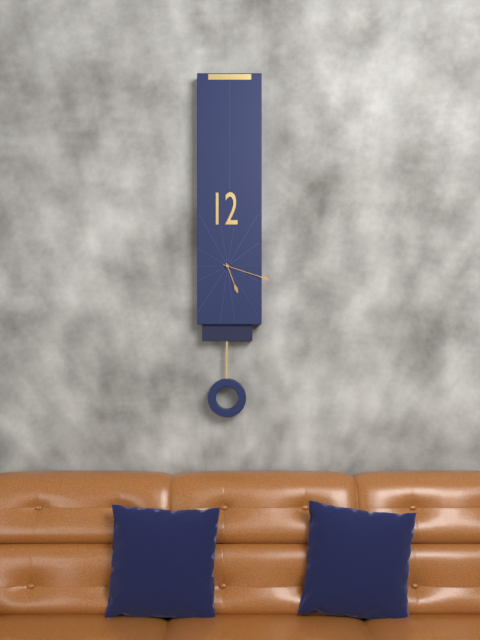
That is **5:18**
